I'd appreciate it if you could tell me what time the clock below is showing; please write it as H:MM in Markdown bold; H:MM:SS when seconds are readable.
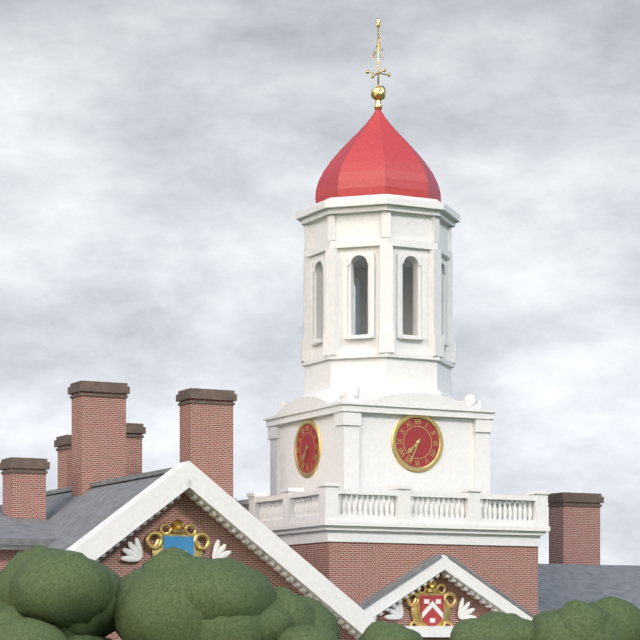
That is **7:34**
